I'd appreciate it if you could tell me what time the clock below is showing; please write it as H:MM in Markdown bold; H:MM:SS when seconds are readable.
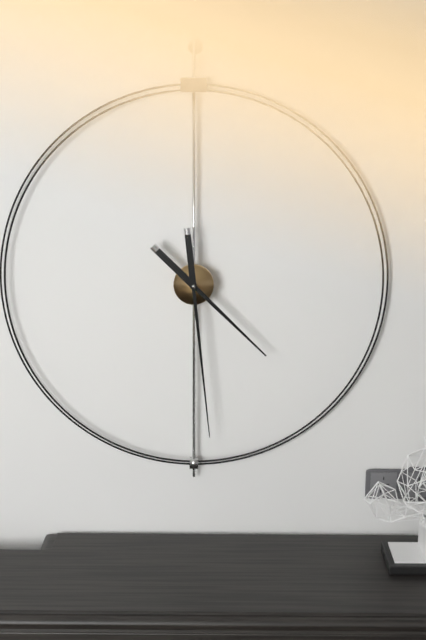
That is **4:29**
